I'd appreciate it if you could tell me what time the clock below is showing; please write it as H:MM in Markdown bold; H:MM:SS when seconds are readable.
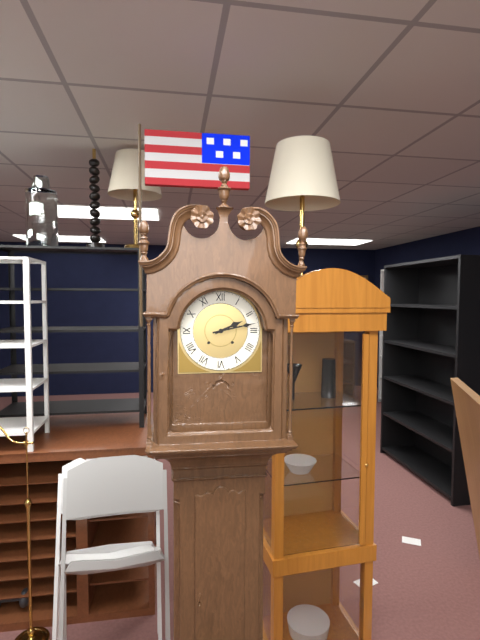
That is **2:13**
